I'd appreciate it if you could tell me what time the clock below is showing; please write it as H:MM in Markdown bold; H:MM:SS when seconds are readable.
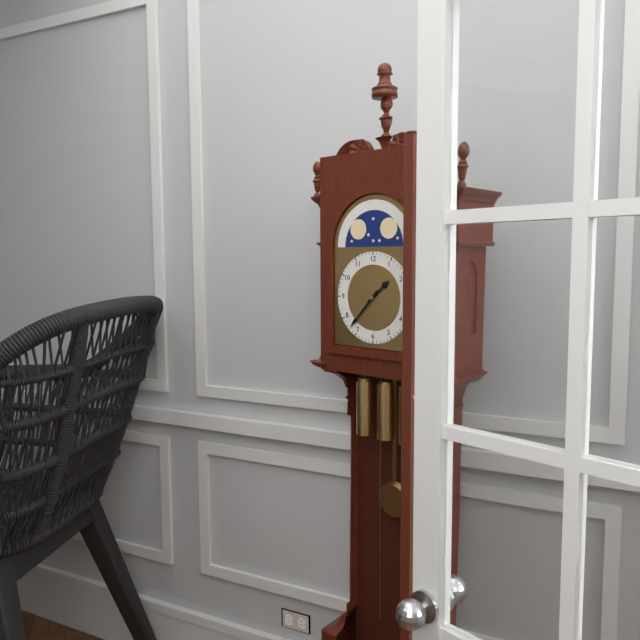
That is **1:37**
